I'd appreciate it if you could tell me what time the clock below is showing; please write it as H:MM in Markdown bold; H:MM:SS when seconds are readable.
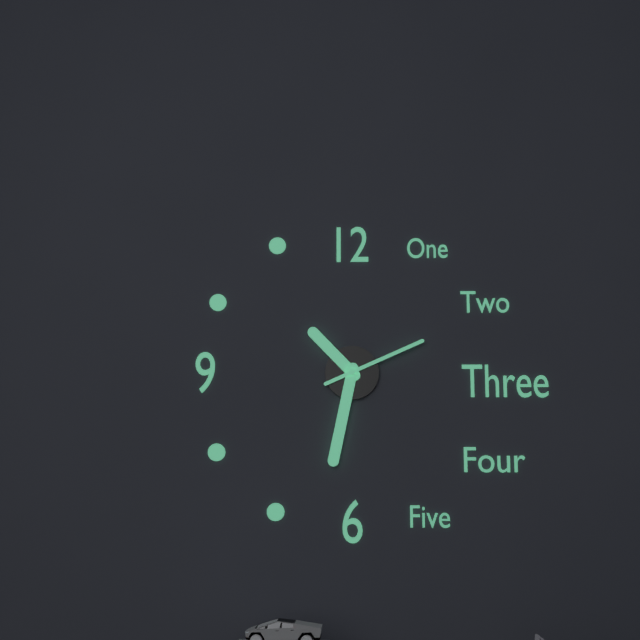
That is **10:32:11**
